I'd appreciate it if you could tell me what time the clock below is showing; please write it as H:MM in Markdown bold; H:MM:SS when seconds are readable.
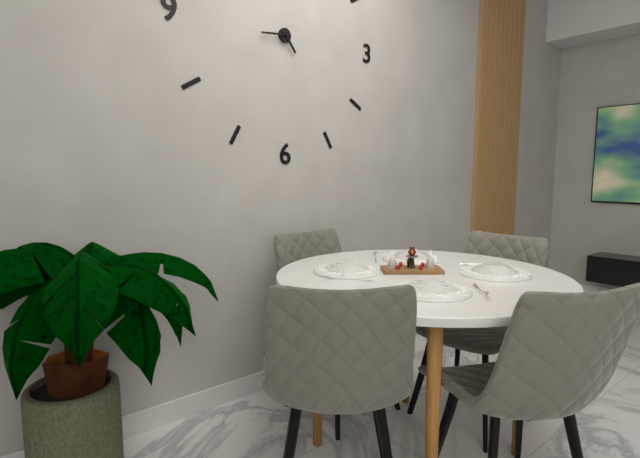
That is **4:44**
